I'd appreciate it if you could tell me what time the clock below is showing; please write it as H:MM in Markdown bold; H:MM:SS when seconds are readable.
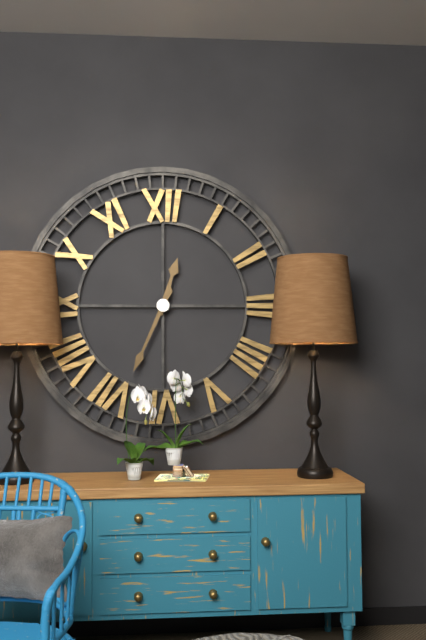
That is **12:34**
